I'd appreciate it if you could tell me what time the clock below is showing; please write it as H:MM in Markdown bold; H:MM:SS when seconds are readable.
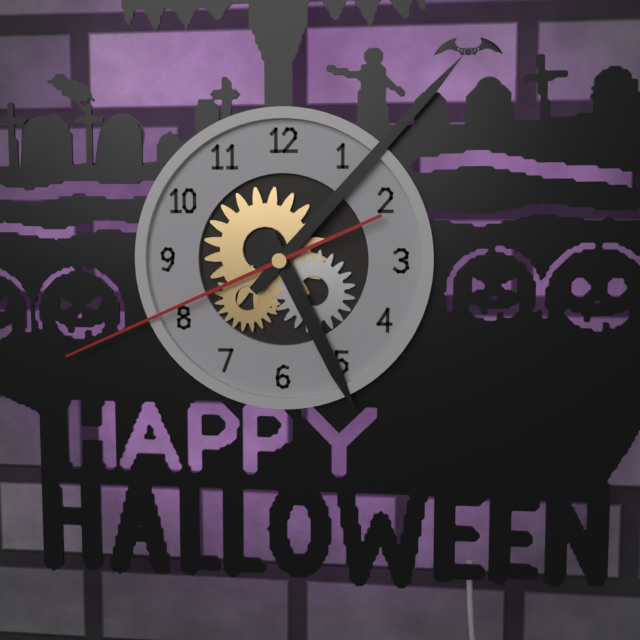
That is **5:07:41**
